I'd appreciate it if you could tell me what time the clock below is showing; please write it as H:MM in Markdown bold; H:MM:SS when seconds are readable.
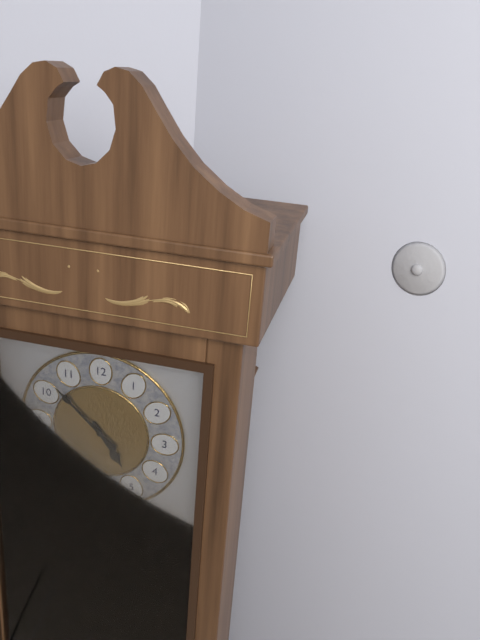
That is **4:52**
